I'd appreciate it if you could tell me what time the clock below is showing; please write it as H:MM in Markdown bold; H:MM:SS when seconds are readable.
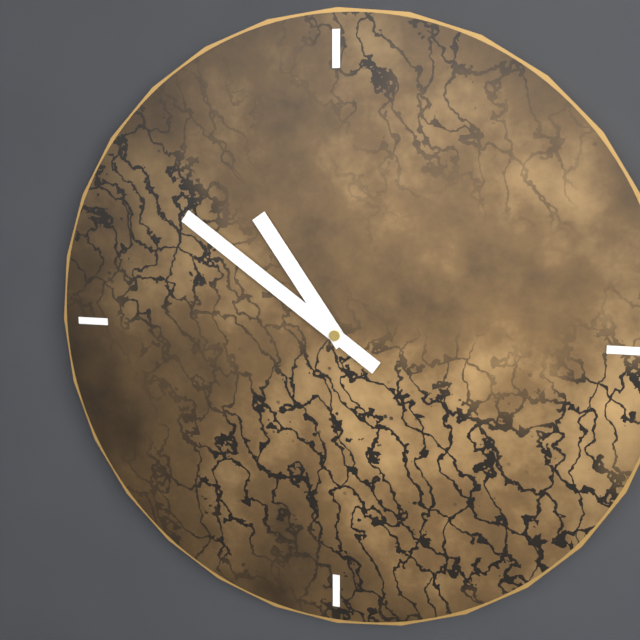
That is **10:51**
